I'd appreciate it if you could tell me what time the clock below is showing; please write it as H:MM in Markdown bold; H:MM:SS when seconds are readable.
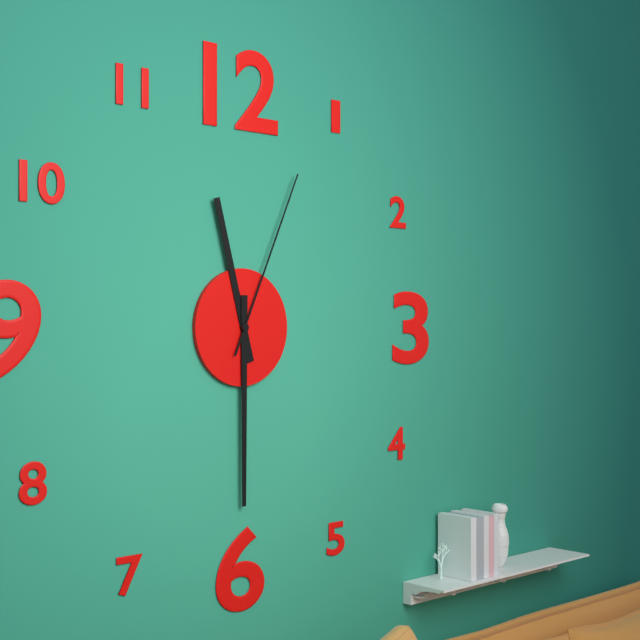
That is **11:30:04**
